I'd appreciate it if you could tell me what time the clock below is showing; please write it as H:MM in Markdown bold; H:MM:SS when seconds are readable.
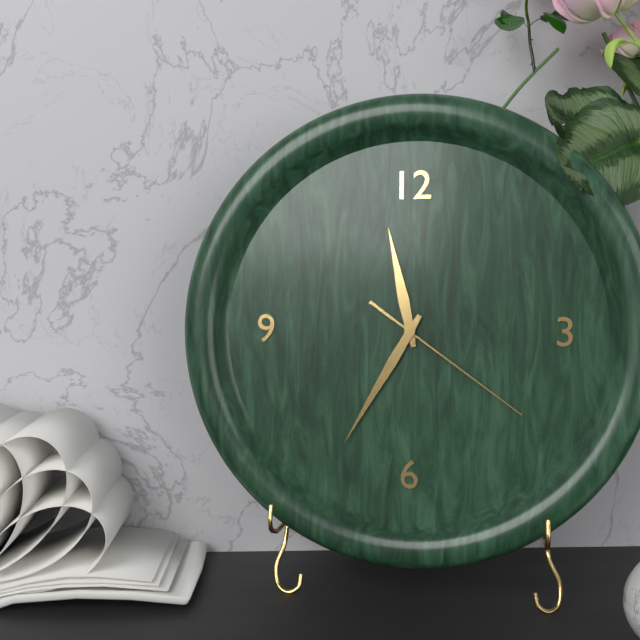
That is **11:35:21**
